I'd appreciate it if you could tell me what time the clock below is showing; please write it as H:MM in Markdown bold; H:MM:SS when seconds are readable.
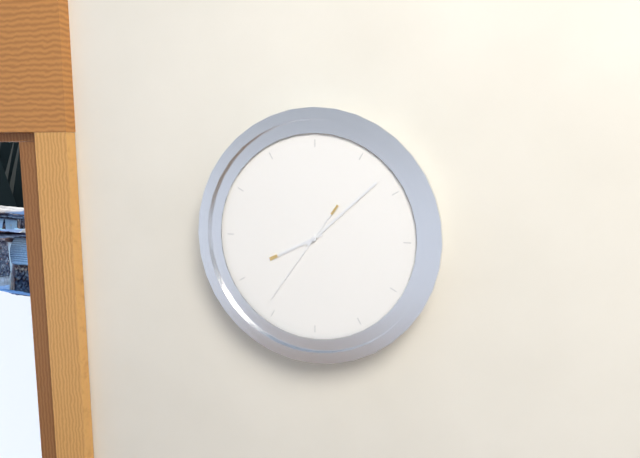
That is **8:08:36**
